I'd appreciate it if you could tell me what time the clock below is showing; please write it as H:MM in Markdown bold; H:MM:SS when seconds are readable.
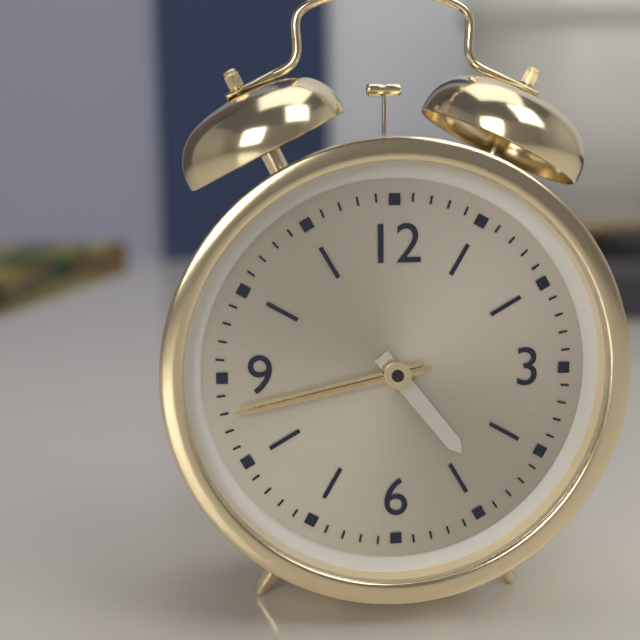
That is **4:43:43**
